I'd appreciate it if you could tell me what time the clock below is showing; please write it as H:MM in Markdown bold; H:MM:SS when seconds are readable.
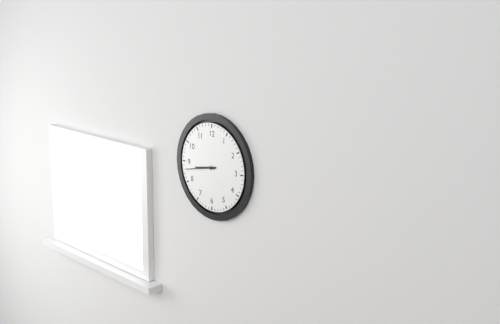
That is **8:43**
